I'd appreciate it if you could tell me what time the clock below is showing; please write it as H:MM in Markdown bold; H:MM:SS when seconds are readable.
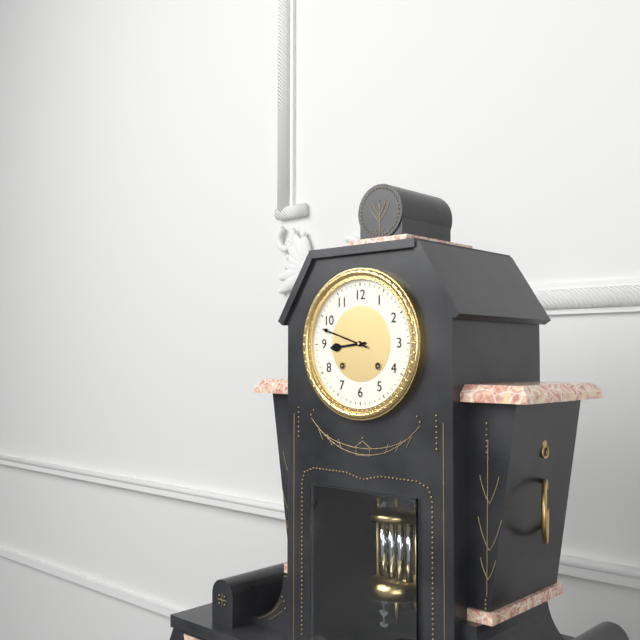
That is **8:48**
